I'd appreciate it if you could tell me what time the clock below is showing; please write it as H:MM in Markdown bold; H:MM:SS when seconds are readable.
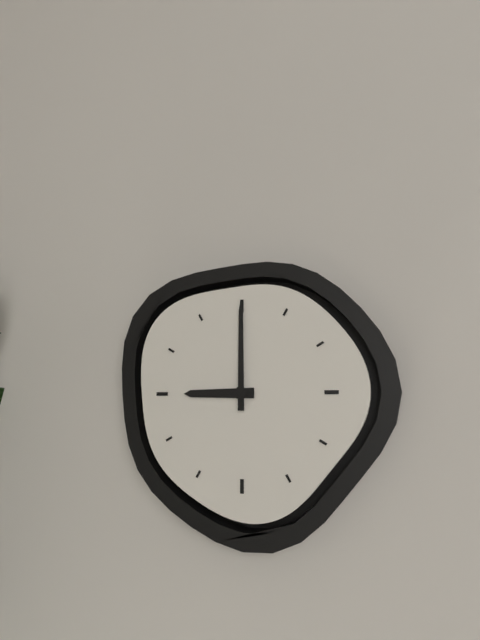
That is **9:00**
